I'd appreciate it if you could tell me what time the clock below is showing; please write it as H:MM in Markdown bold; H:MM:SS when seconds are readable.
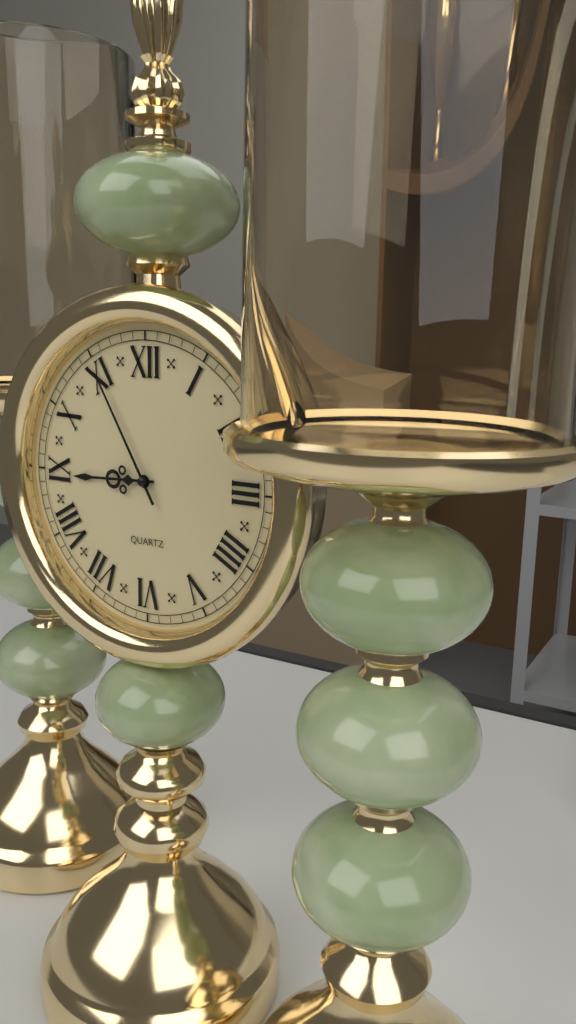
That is **8:55**
